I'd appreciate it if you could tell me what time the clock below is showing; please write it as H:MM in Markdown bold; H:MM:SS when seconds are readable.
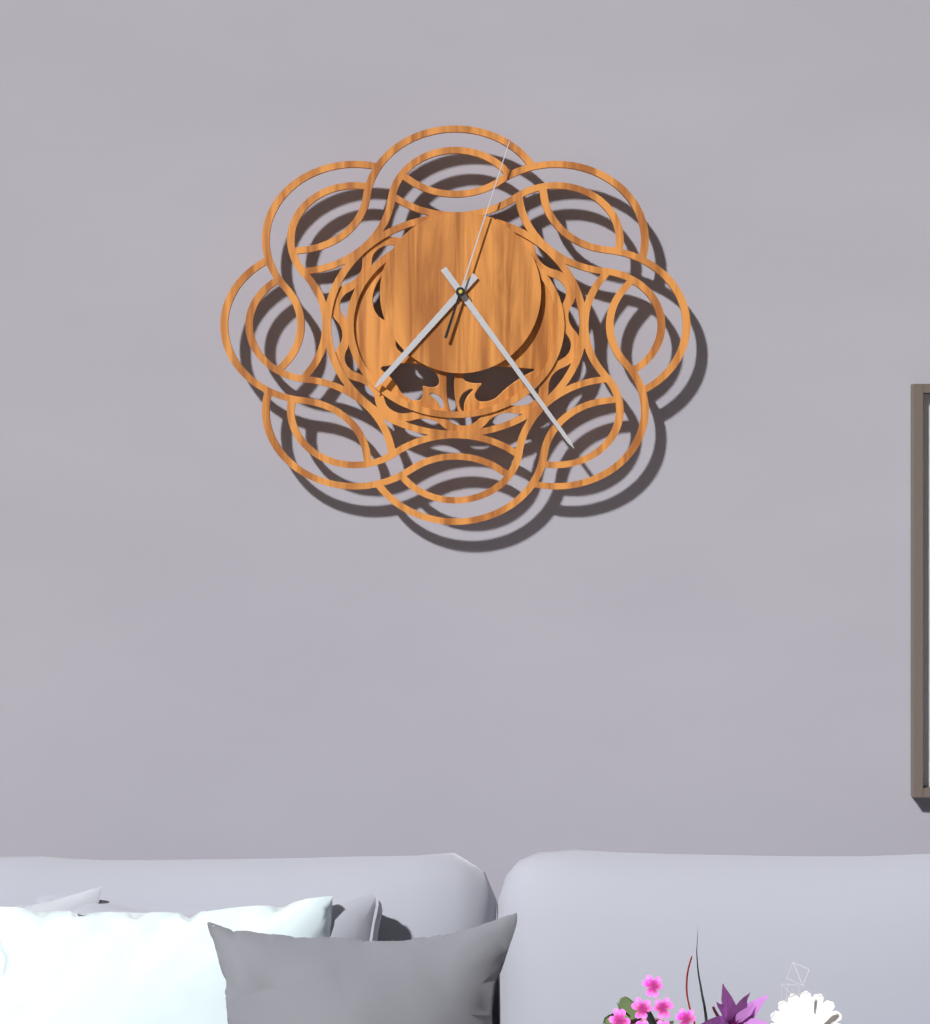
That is **7:24:03**
